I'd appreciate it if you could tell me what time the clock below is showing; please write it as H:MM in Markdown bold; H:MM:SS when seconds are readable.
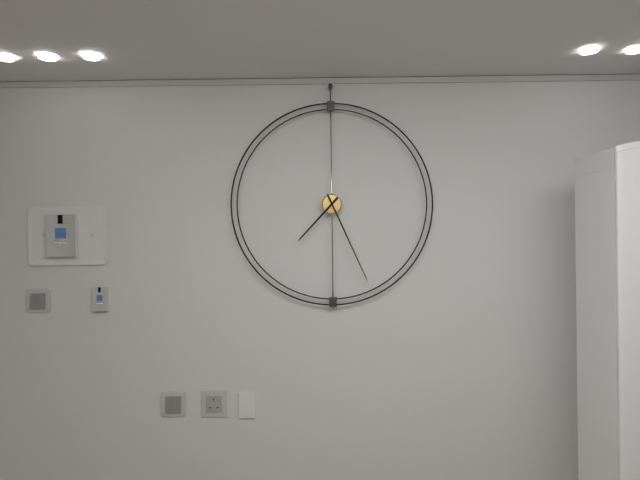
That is **7:26**
